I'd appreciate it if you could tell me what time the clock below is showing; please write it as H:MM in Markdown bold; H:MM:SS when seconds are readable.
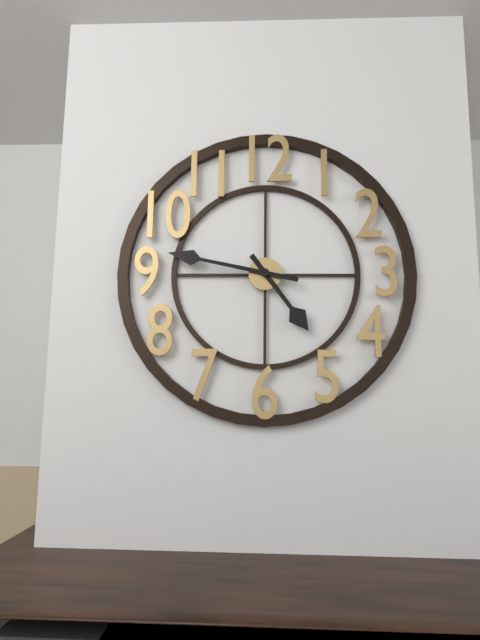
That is **4:47**
